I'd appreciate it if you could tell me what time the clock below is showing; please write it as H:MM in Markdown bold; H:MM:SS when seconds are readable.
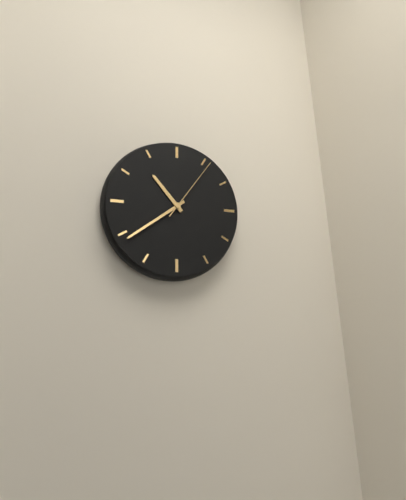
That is **10:39:06**
